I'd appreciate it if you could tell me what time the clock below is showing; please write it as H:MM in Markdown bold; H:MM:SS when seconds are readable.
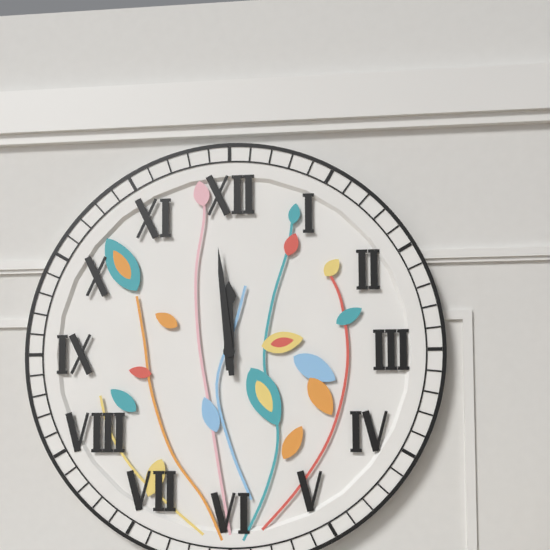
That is **11:59**
